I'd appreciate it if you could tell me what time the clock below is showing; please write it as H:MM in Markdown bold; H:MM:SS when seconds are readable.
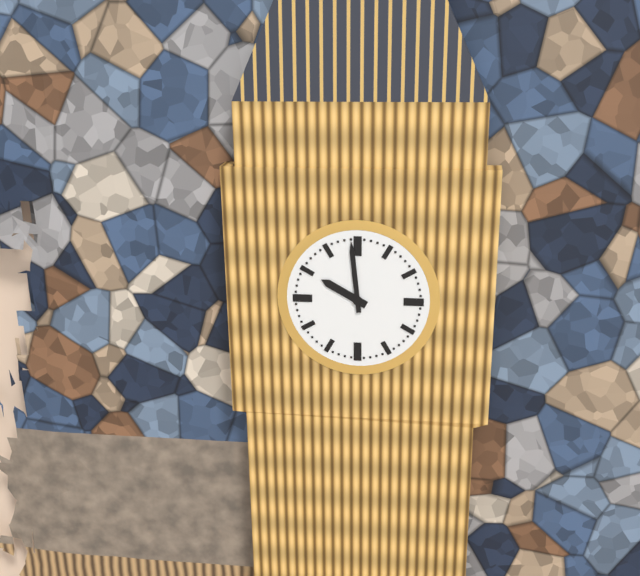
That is **9:59**
